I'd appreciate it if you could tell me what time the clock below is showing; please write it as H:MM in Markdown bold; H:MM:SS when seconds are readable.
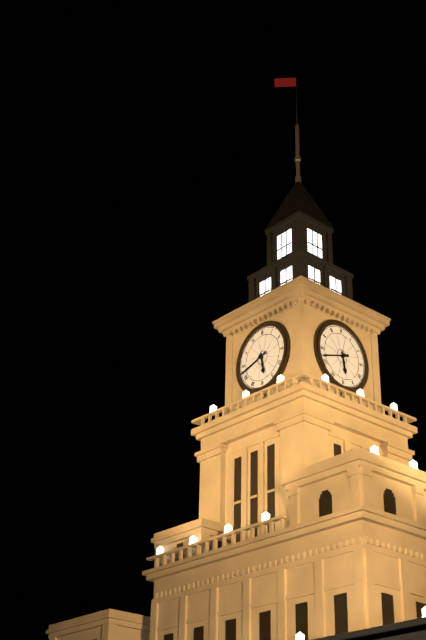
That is **5:42**
